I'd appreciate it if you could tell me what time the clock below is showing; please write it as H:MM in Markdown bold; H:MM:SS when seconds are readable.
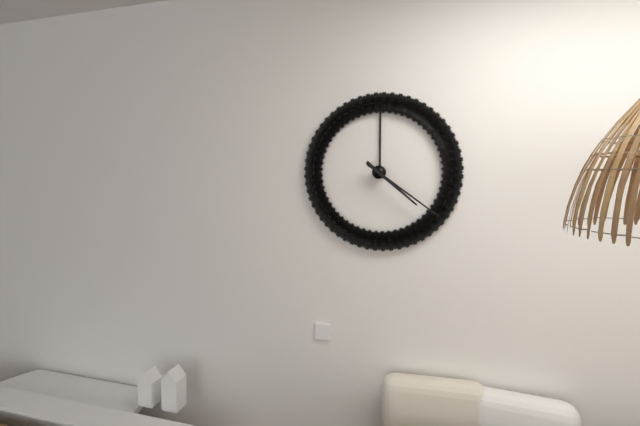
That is **4:21**
